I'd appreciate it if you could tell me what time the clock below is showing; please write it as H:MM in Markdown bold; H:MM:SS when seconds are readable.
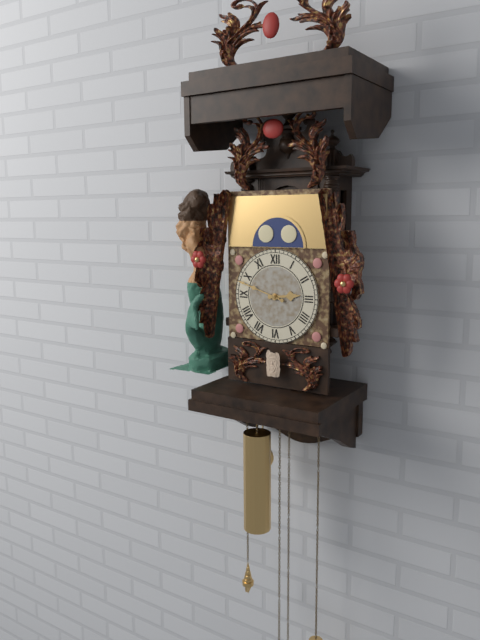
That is **2:48**
